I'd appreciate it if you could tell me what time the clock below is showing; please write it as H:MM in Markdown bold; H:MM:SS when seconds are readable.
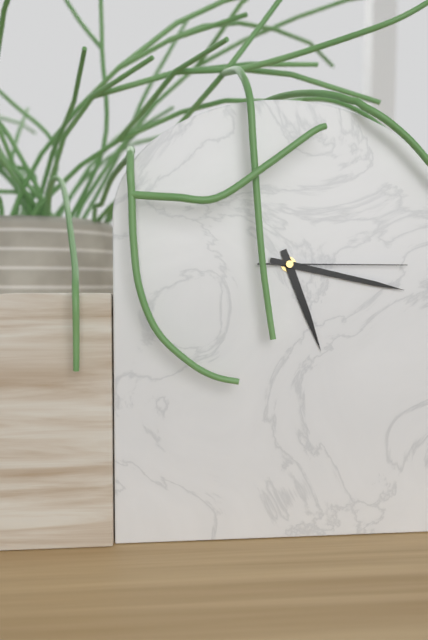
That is **5:17:15**
